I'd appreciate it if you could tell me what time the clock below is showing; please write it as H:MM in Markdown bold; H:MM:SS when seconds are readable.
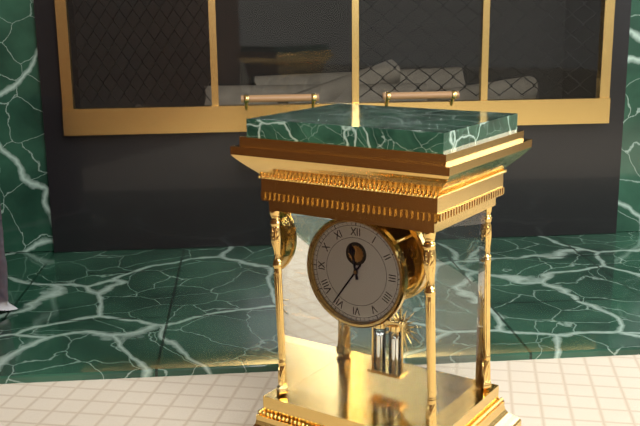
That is **11:36**
